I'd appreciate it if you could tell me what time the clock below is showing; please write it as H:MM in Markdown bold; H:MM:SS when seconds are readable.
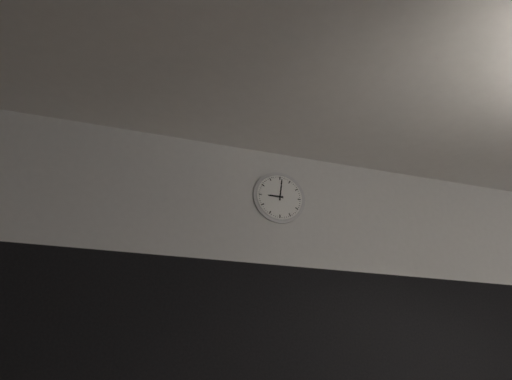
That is **9:01**
